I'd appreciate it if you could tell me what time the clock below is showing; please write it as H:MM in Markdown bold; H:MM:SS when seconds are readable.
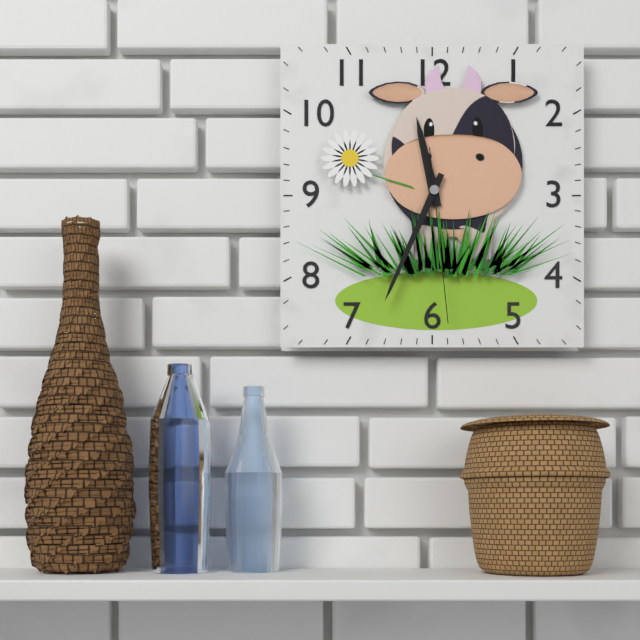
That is **11:34:29**
